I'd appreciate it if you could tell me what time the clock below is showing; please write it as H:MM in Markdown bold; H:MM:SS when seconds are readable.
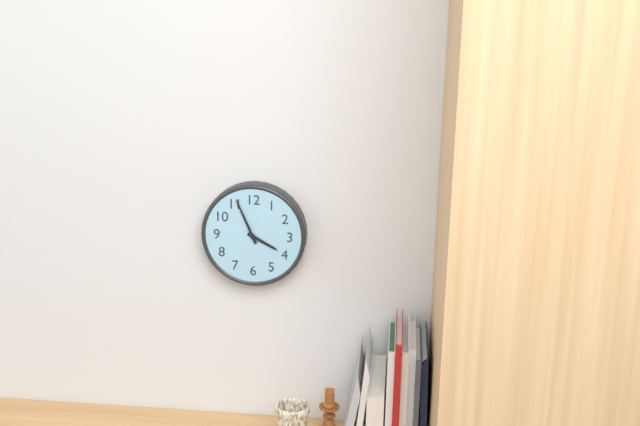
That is **3:56**
